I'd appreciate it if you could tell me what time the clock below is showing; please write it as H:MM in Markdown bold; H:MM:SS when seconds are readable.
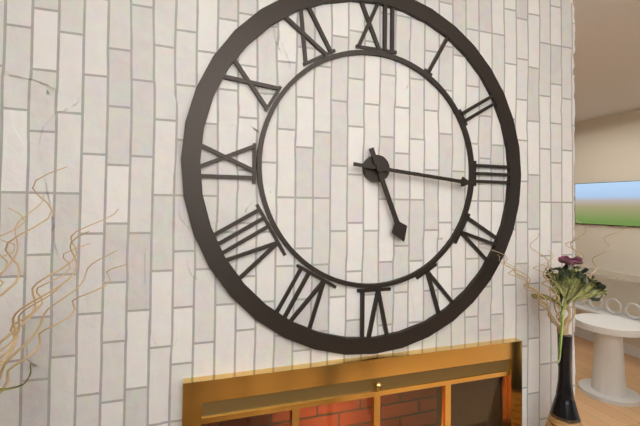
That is **5:16**
